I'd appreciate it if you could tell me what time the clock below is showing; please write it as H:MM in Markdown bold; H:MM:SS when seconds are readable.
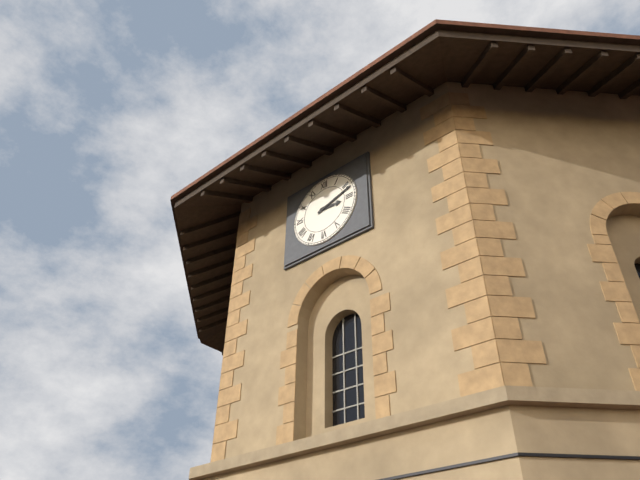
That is **3:12**
